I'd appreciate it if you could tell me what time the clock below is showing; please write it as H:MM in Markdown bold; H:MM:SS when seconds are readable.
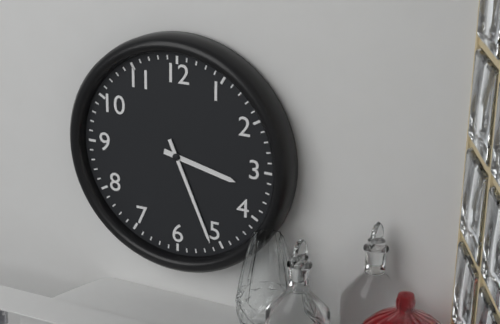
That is **3:26**
